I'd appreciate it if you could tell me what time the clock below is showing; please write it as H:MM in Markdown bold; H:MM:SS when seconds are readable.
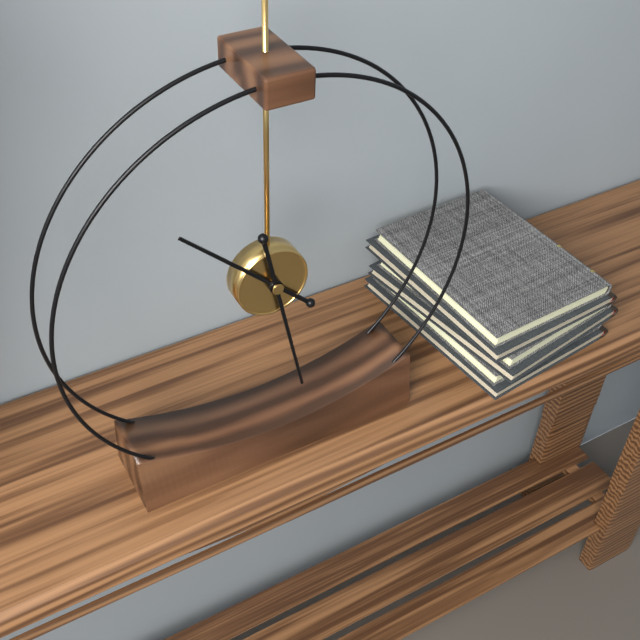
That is **10:28**
